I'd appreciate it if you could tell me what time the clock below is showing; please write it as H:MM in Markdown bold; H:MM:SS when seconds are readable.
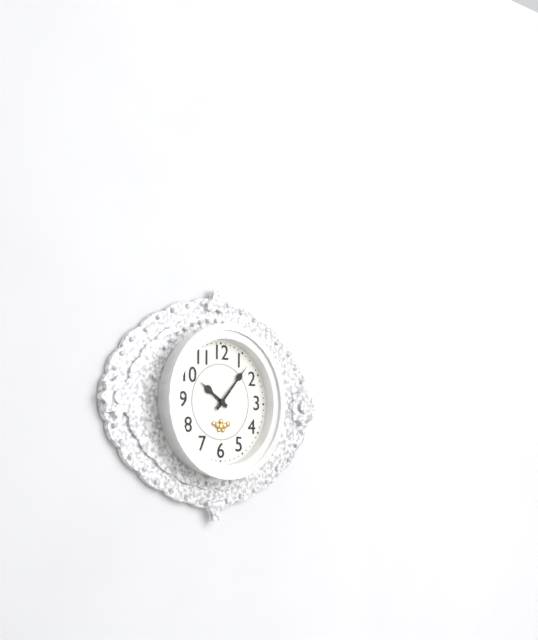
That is **10:07**
